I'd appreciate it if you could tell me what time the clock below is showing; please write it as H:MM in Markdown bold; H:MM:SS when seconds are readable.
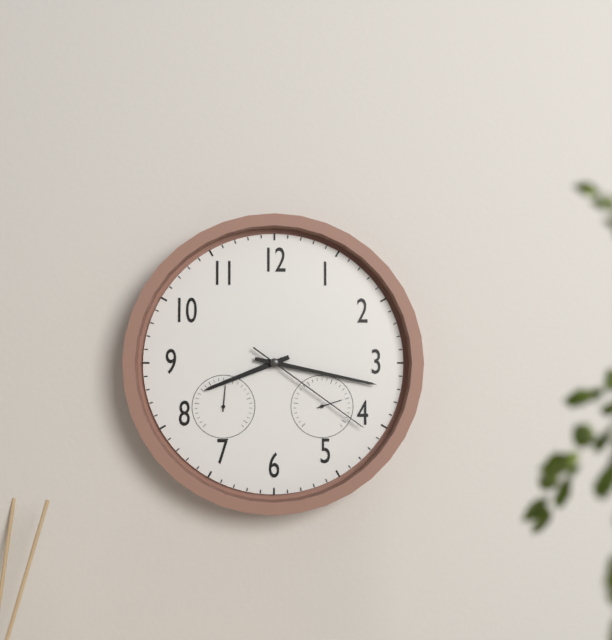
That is **8:17:21**
